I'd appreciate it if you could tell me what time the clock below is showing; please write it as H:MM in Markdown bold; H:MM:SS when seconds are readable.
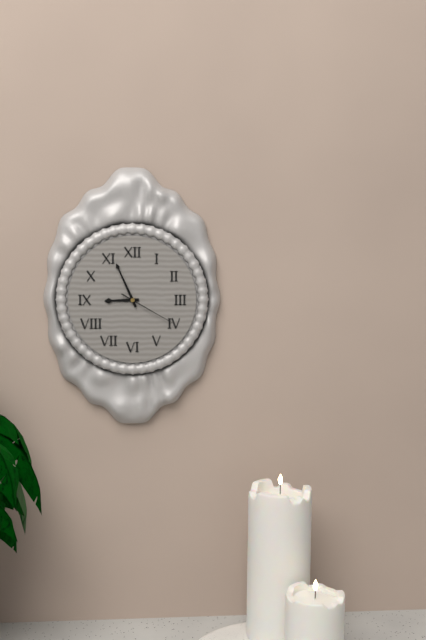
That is **8:56:20**
